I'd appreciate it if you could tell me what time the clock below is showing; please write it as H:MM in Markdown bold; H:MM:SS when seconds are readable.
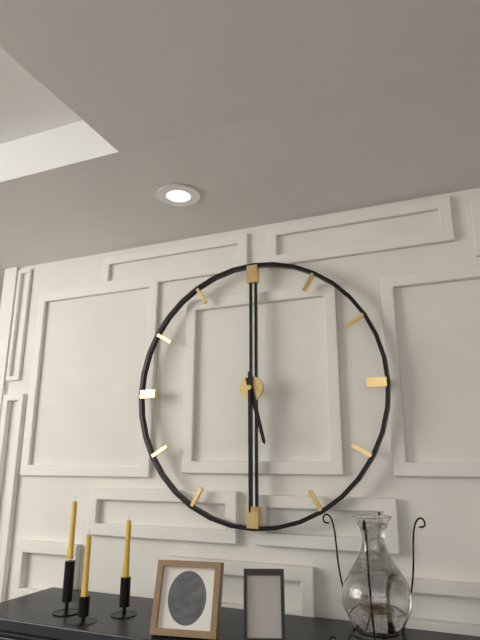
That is **5:30**
